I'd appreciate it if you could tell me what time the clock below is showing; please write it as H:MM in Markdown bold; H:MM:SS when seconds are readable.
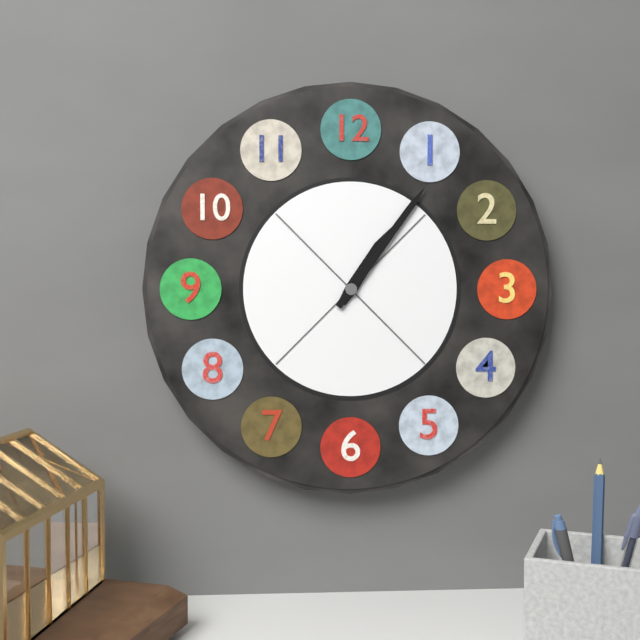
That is **1:06**
